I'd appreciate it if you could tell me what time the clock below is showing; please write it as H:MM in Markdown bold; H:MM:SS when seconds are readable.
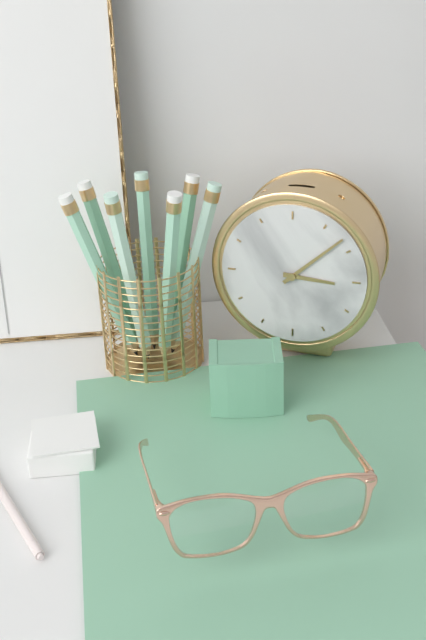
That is **3:08**
